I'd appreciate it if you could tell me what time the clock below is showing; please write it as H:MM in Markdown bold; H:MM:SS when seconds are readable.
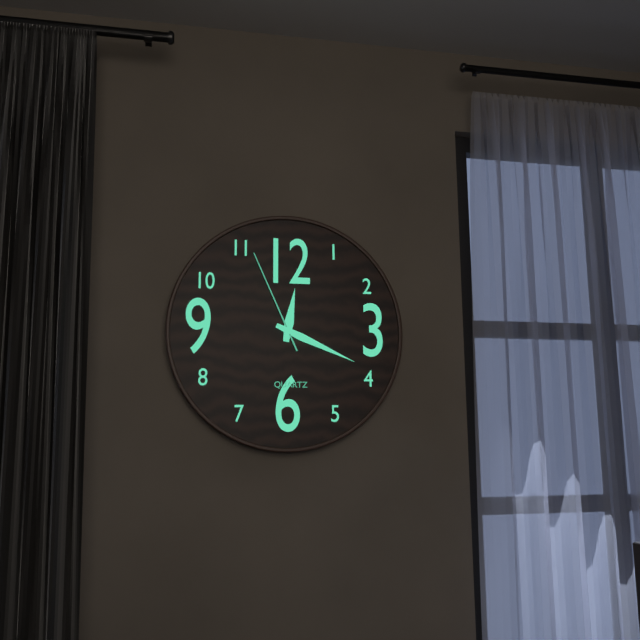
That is **12:19:56**
